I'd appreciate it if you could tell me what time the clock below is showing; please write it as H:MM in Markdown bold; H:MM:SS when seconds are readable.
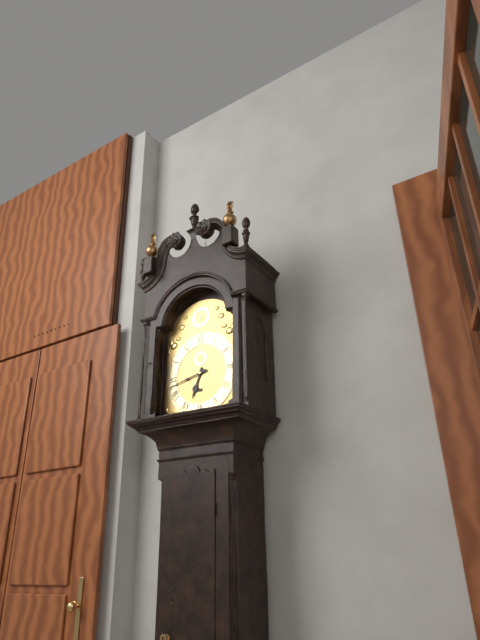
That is **6:43**
